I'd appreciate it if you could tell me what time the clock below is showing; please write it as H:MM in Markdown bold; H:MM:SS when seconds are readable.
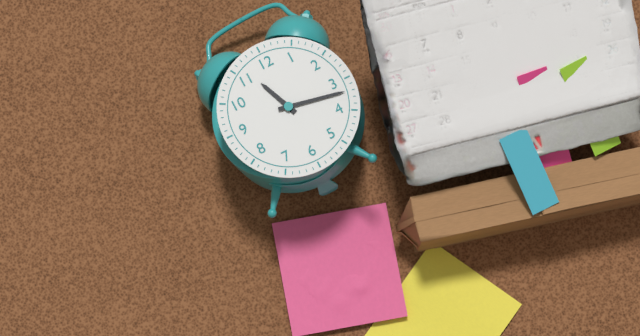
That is **11:17**
